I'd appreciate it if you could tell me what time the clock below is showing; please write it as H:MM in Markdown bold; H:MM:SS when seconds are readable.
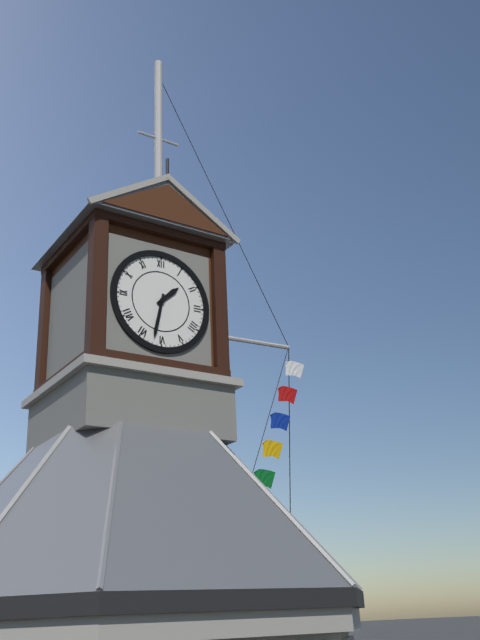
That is **1:32**
